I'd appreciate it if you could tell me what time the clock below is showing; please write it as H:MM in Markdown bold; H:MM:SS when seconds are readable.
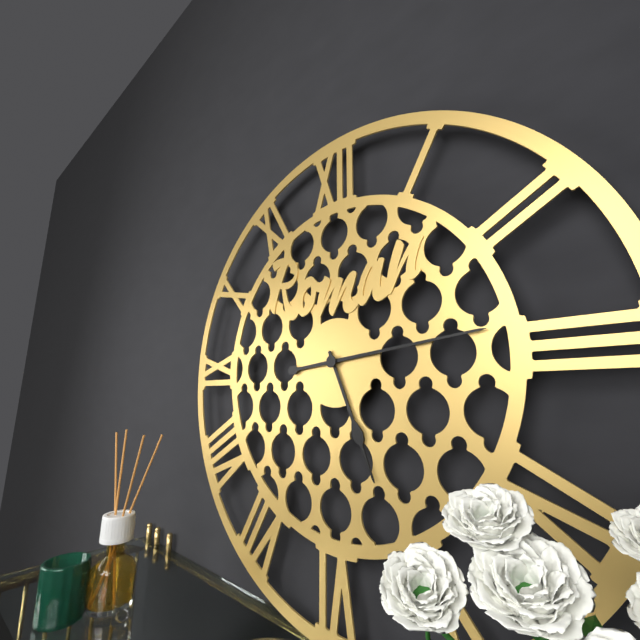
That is **5:14**
